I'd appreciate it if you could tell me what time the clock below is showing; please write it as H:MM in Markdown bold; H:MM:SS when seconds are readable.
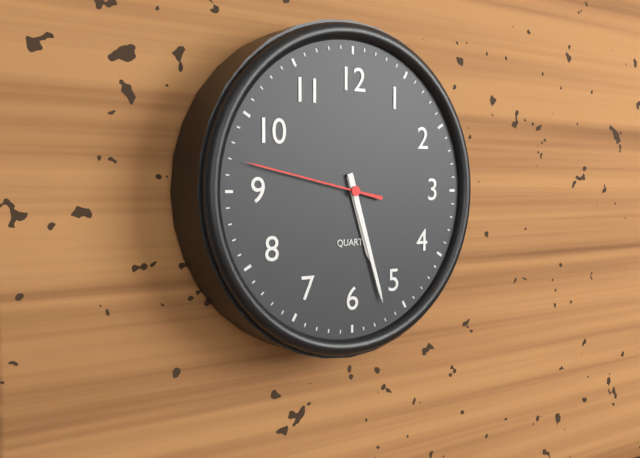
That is **5:27:47**
